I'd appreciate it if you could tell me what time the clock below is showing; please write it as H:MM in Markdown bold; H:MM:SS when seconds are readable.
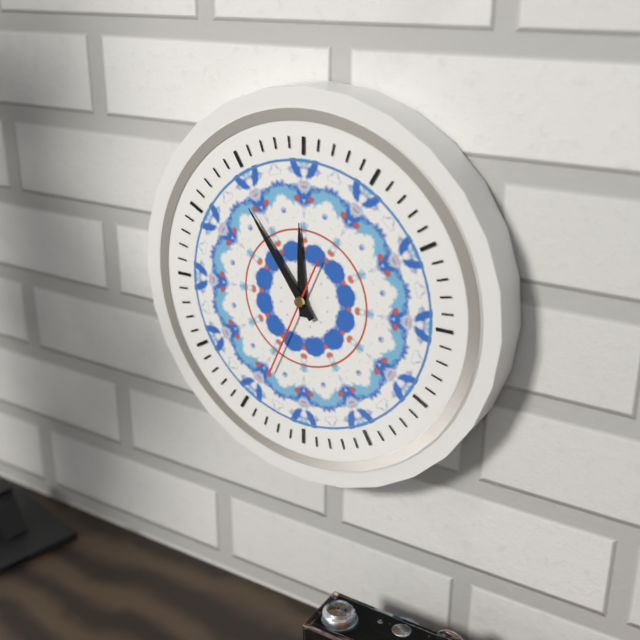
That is **11:54:34**
